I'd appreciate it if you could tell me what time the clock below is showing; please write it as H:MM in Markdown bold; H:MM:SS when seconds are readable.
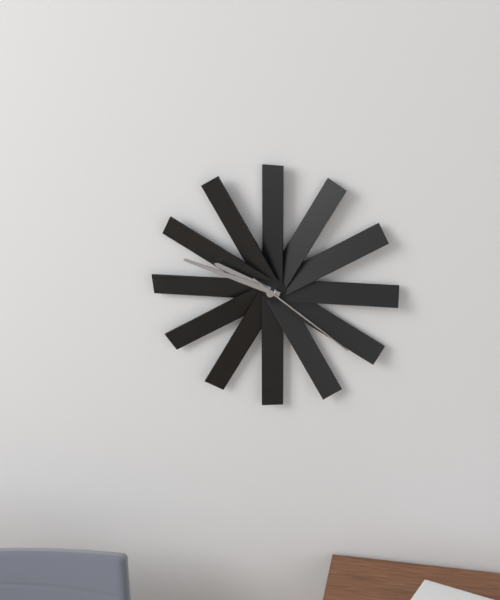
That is **9:48:21**
